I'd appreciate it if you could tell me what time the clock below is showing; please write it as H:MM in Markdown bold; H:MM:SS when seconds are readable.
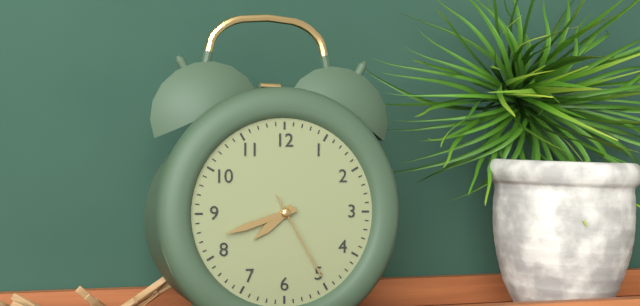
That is **7:42:25**
